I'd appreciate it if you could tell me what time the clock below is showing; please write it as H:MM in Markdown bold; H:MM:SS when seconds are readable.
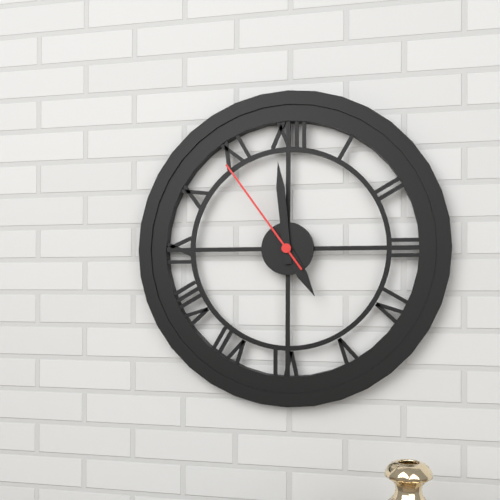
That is **4:59:54**
